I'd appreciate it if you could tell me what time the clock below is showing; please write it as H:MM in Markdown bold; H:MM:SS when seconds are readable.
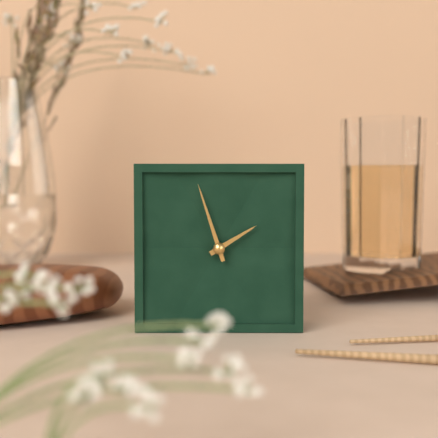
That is **1:57**
